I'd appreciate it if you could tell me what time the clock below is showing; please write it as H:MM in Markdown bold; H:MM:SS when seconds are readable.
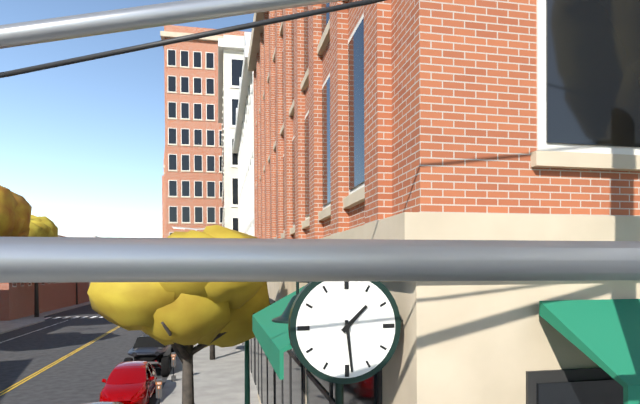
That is **1:29**
